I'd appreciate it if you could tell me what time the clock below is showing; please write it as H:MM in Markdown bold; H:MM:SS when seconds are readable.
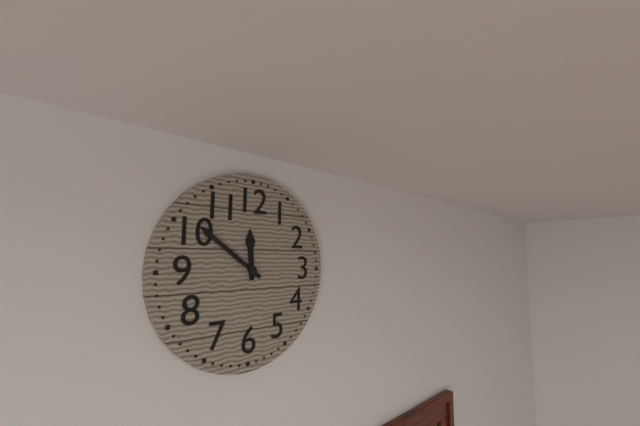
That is **11:51**
